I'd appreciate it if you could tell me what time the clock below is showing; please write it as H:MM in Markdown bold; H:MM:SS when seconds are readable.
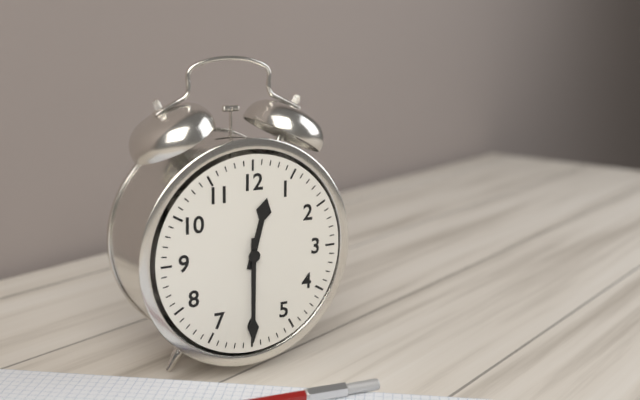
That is **12:30**
